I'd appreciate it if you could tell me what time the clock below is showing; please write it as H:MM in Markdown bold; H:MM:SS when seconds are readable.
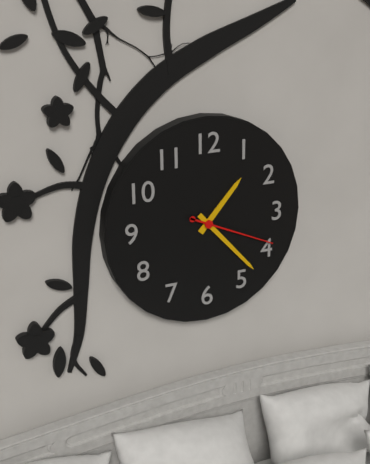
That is **1:23:19**
